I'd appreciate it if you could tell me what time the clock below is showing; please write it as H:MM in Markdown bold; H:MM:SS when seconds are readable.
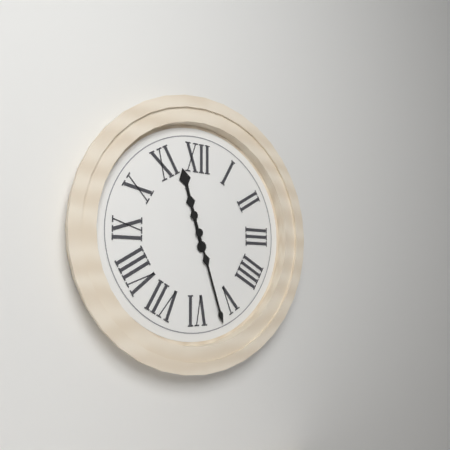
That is **11:27**
